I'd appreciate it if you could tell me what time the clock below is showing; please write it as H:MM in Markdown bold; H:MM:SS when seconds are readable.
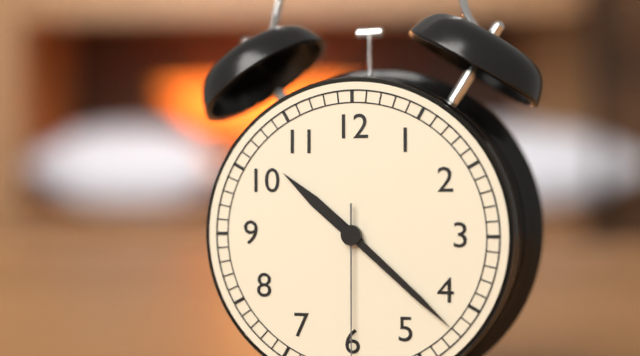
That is **10:22**
